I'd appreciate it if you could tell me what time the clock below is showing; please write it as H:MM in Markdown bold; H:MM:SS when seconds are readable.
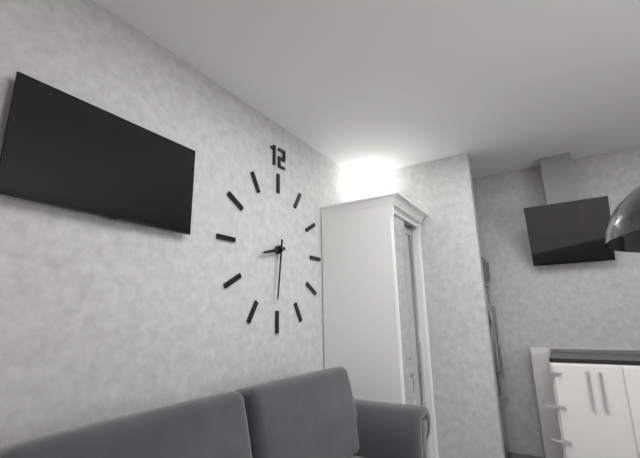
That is **8:31**
